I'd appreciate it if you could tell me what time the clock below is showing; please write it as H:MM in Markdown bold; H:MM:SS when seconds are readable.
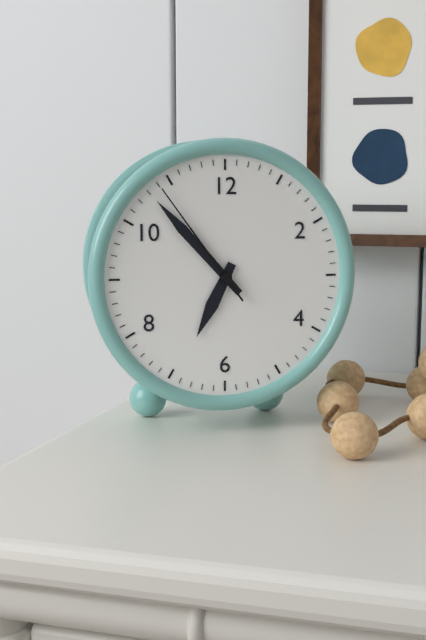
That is **6:53:54**
